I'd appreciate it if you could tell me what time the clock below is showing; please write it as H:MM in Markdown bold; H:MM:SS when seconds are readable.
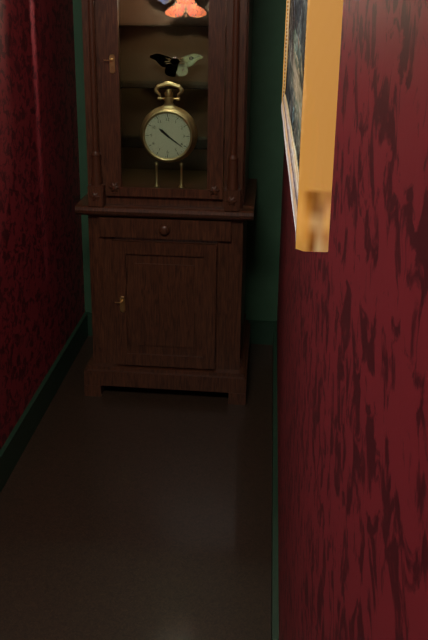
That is **10:21**
